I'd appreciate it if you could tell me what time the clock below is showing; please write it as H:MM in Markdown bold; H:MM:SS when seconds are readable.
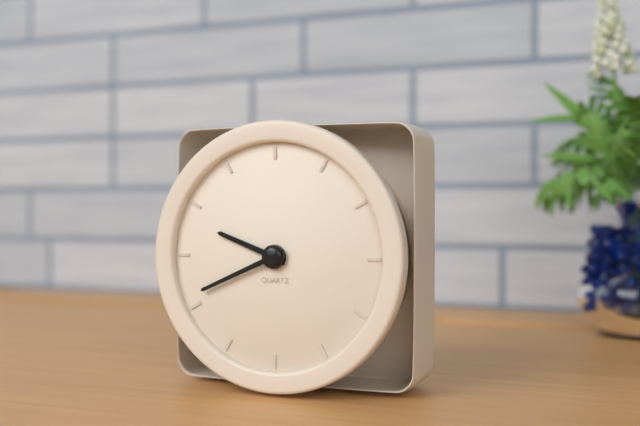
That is **9:41**
